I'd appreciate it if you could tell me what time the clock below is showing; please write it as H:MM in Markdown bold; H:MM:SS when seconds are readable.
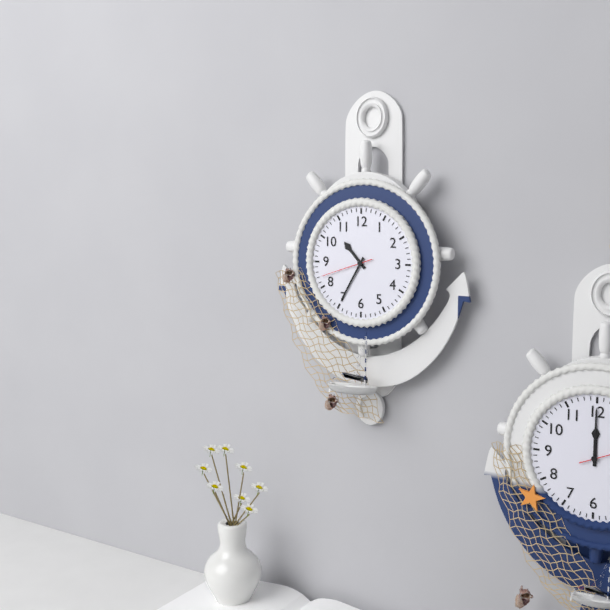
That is **10:35:42**
